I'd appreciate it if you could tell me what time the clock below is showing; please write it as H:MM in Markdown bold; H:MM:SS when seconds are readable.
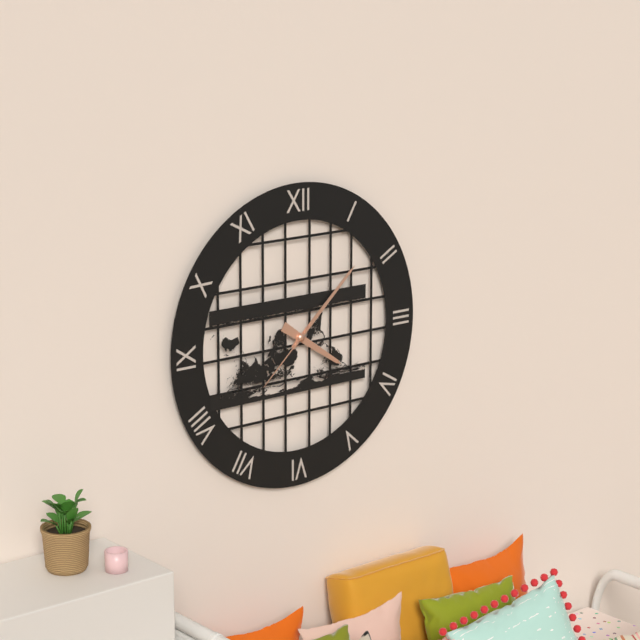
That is **4:08:38**
